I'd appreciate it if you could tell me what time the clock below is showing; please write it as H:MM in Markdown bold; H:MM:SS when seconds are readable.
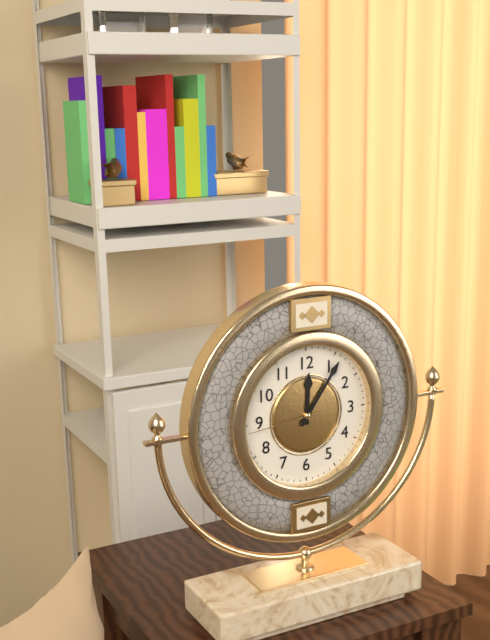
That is **12:06:44**
